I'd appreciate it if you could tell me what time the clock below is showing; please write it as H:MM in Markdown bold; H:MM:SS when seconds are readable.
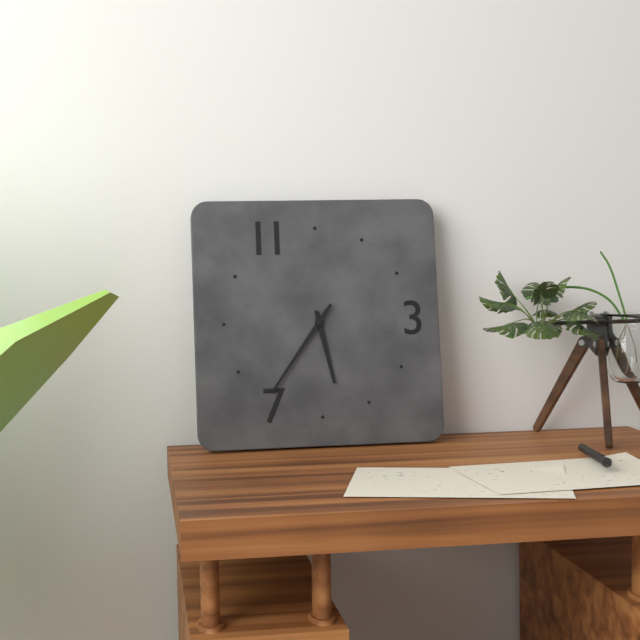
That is **5:36**
